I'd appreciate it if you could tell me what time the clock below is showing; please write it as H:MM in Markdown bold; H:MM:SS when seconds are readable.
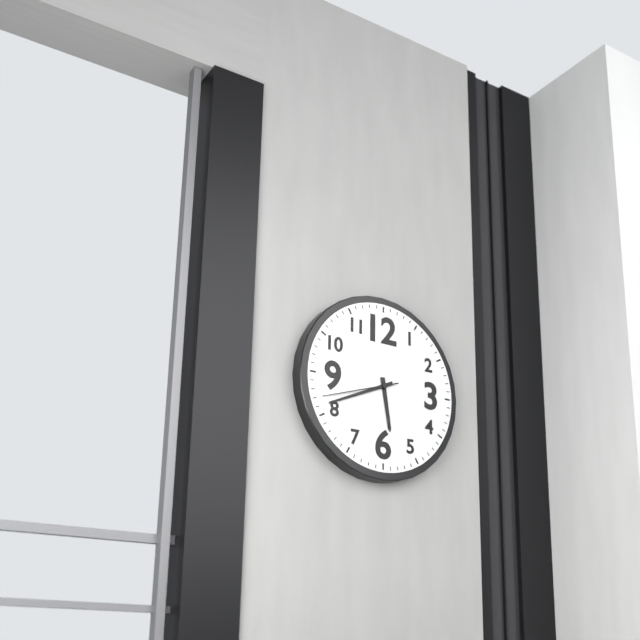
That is **5:41:42**
